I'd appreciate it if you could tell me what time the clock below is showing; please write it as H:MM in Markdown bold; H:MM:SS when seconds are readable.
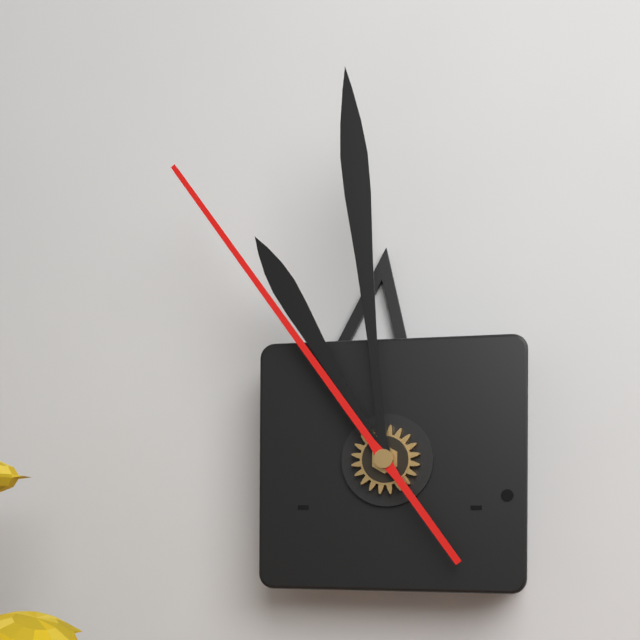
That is **10:59:54**
